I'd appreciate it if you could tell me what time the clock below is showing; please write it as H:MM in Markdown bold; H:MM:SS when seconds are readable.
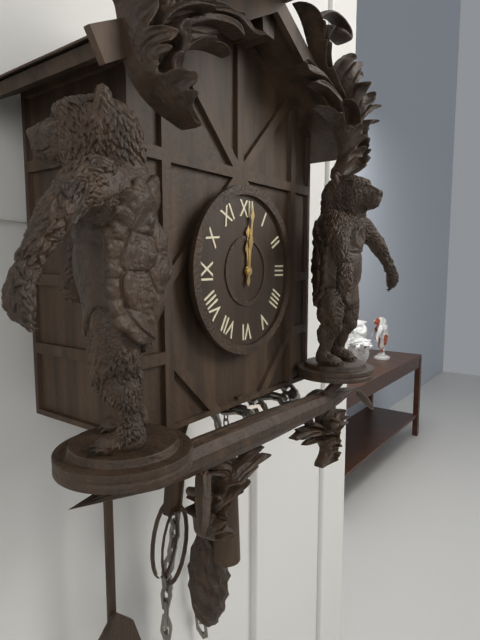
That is **12:01**
